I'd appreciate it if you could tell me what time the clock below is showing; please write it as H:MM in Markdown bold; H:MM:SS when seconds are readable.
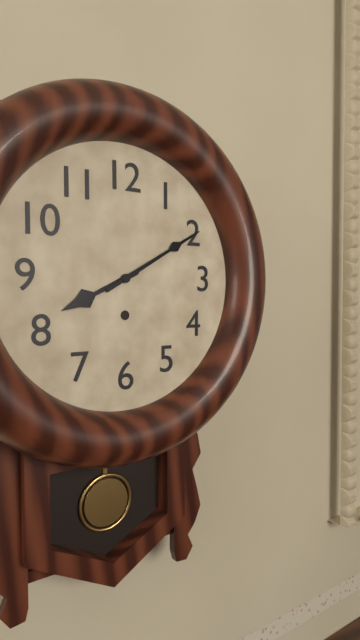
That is **8:10**
